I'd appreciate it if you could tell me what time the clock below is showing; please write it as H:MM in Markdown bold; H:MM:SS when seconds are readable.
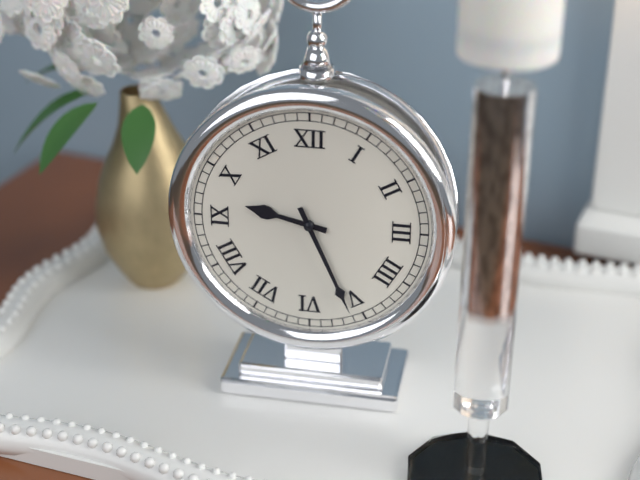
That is **9:26**
